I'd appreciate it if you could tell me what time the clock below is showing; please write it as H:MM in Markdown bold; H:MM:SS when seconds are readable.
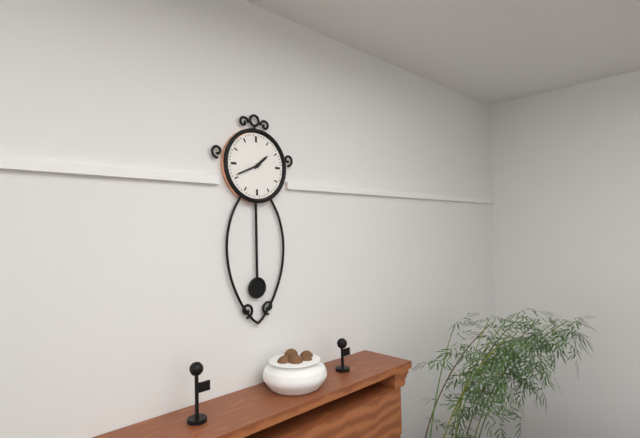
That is **1:41**
